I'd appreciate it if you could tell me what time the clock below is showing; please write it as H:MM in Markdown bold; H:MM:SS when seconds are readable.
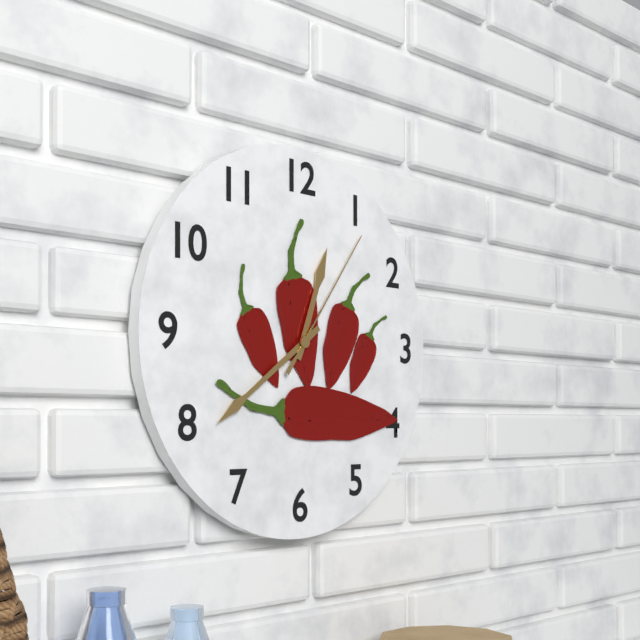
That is **12:39:06**
